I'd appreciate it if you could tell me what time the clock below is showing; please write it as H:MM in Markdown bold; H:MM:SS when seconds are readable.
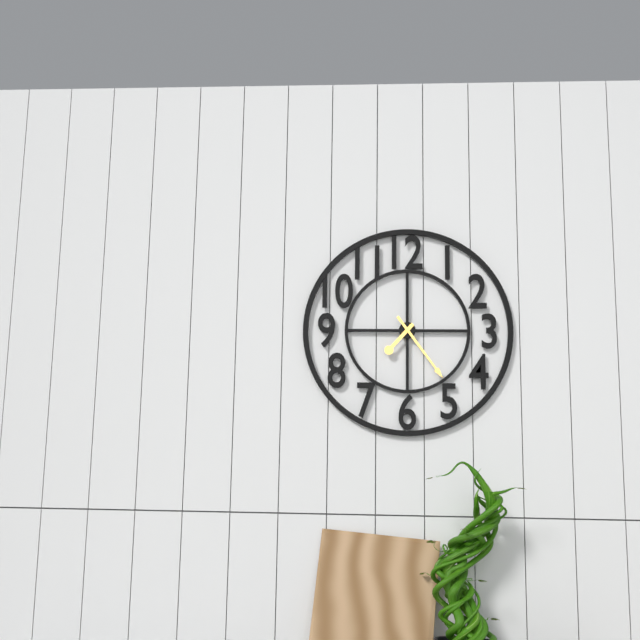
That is **7:24**
